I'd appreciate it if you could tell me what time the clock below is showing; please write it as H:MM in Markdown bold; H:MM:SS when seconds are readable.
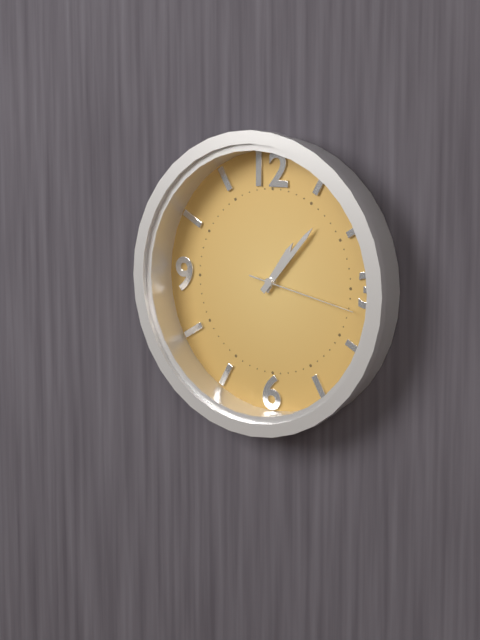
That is **1:07:17**
